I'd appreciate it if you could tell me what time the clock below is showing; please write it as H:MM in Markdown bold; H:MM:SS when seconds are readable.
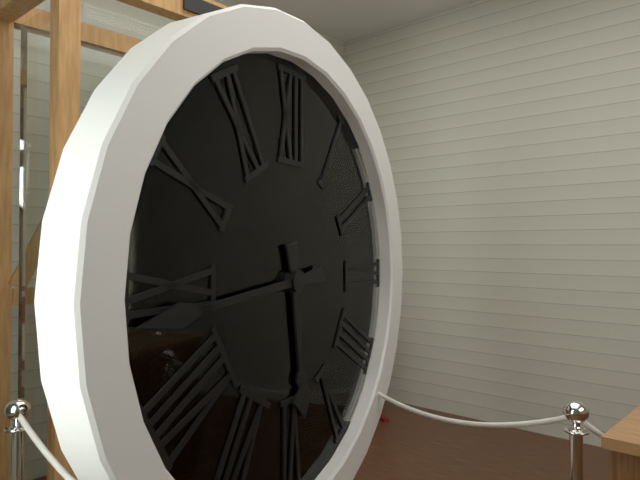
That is **5:44**
